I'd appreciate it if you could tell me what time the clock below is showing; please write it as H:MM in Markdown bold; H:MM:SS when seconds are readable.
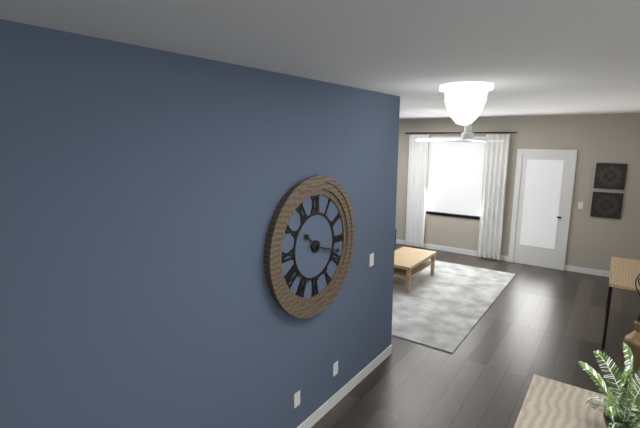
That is **10:18**
